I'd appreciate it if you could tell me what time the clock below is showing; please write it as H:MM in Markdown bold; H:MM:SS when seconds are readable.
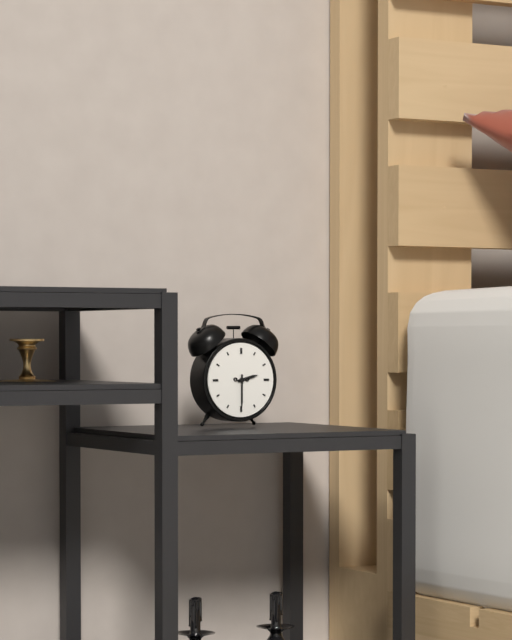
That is **2:30**
